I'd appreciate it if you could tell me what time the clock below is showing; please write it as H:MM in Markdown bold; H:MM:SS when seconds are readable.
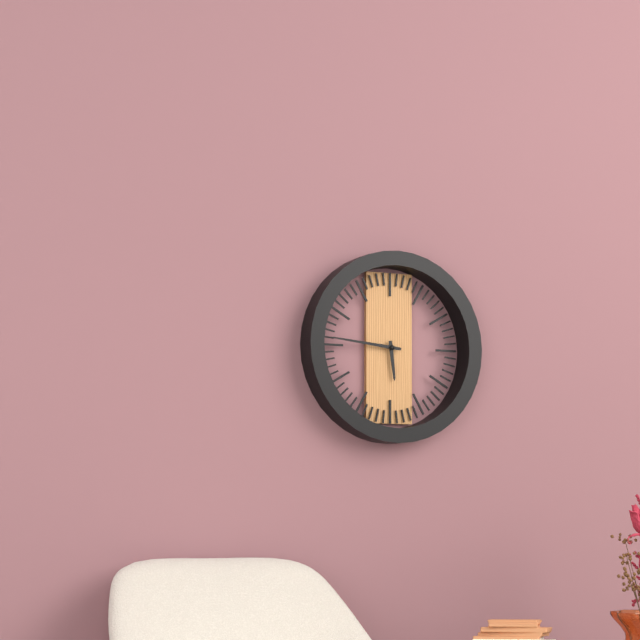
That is **5:46**
